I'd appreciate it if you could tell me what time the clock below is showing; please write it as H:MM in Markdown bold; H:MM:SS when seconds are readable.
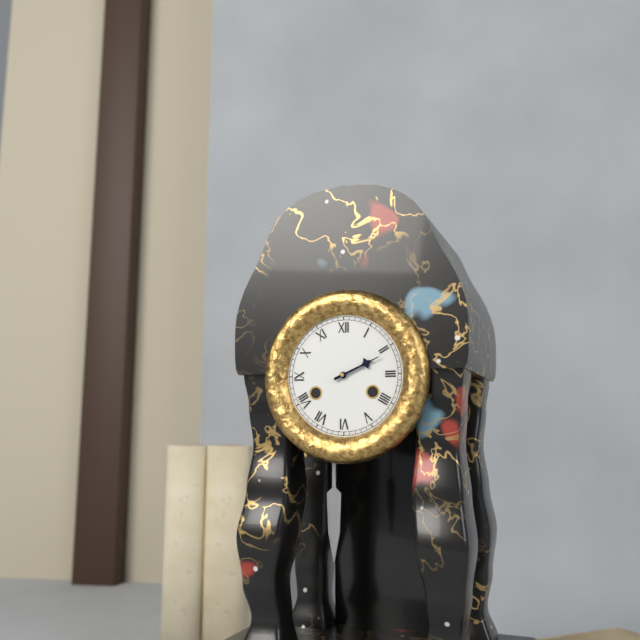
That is **2:11**
